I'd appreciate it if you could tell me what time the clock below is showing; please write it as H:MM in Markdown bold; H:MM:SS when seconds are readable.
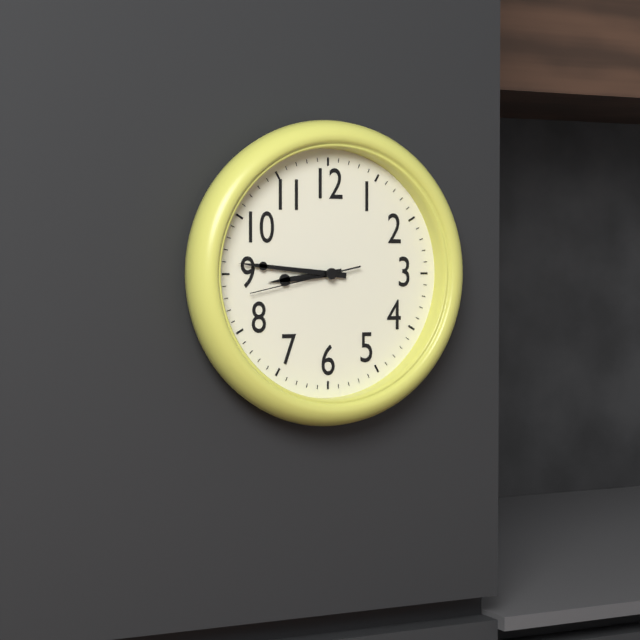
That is **8:46:43**
